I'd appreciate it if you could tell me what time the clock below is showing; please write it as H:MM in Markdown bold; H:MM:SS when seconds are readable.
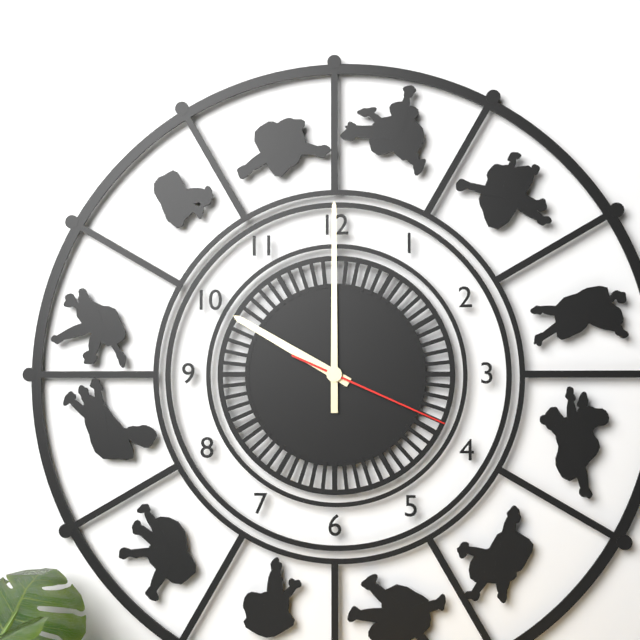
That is **10:00:19**
